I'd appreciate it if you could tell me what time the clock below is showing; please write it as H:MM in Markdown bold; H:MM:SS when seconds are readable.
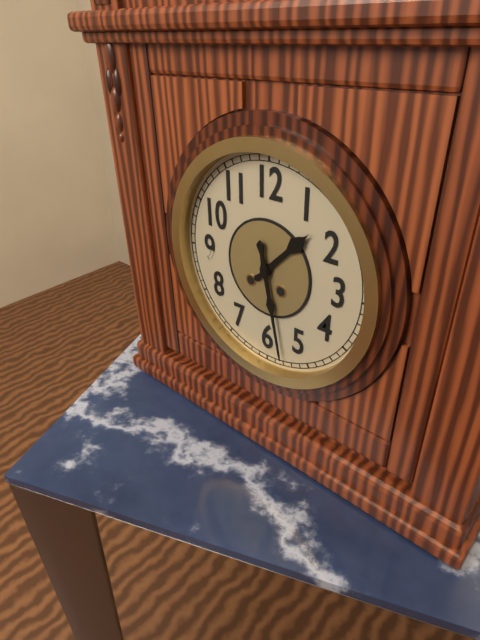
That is **1:28**
